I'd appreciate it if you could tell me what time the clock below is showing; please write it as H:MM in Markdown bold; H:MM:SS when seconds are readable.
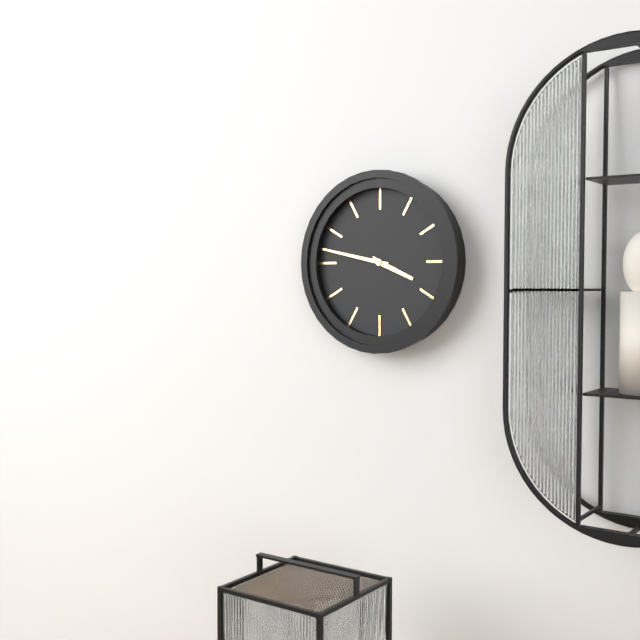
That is **3:47**
